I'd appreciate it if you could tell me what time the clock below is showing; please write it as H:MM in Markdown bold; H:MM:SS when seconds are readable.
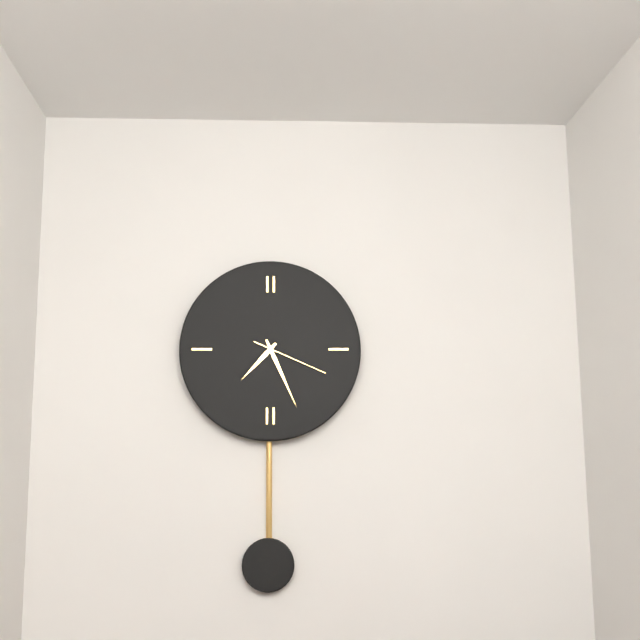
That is **7:26:19**
